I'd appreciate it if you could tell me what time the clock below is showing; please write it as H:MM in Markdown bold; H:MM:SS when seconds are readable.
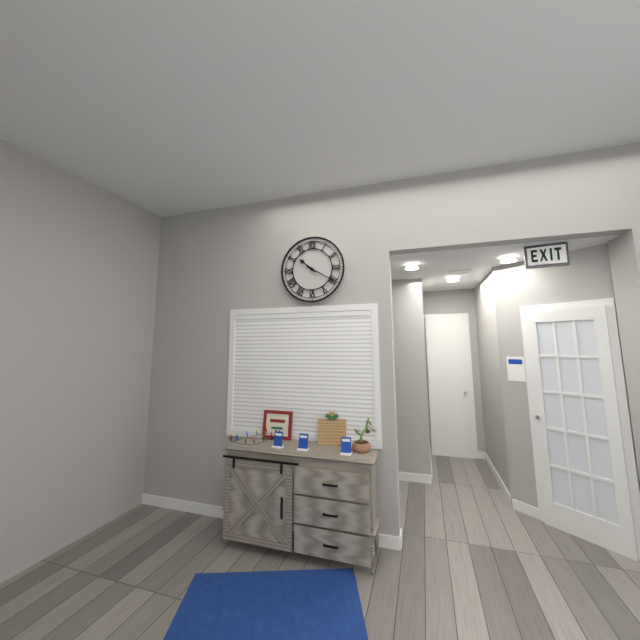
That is **10:20**
